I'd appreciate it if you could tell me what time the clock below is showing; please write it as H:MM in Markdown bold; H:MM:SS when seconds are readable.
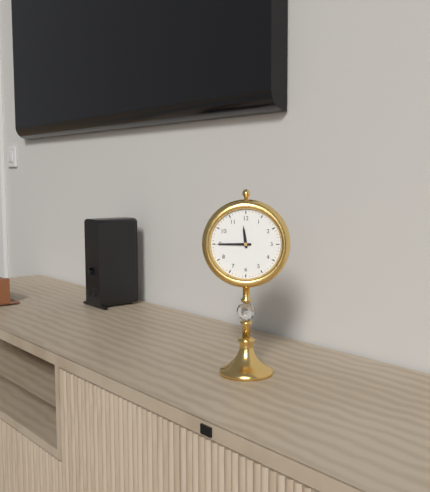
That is **11:45**
